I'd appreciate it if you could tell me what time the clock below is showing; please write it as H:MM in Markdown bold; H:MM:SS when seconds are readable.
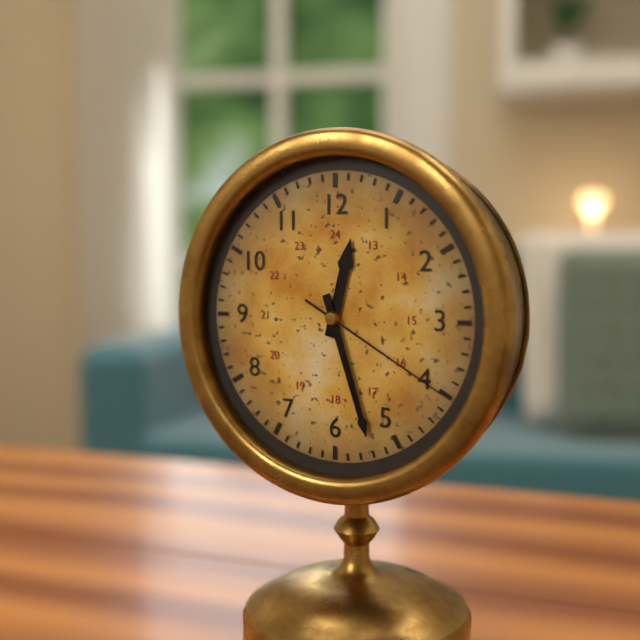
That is **12:27:20**
